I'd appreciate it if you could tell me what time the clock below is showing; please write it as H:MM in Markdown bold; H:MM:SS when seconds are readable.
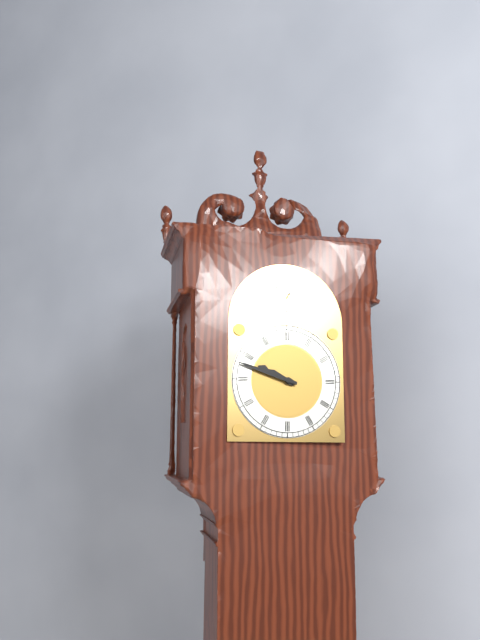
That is **9:48**
